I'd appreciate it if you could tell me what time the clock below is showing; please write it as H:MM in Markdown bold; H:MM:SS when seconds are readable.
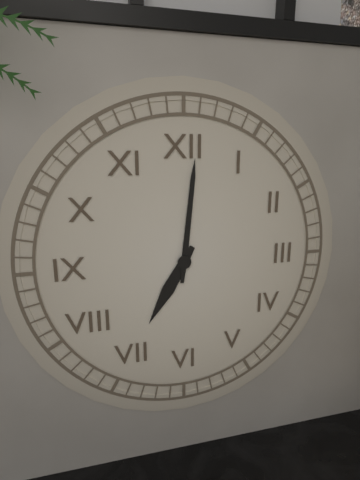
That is **7:01**
